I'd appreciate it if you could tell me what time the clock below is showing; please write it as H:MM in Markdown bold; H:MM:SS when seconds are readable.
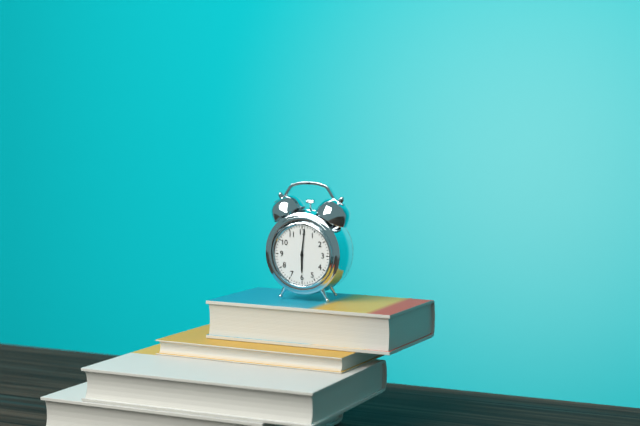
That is **6:01**
